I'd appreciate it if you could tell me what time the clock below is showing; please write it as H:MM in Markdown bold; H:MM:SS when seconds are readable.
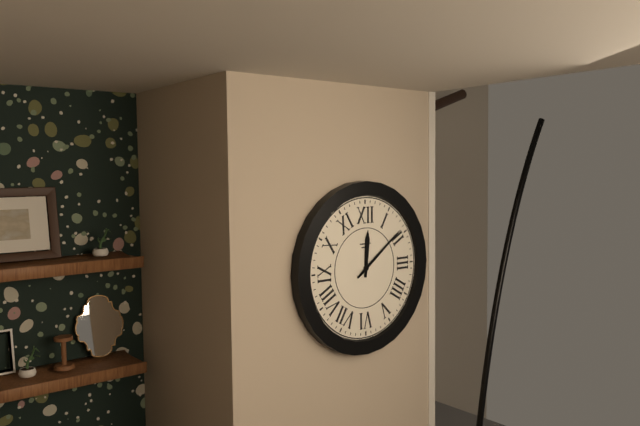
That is **12:09**
